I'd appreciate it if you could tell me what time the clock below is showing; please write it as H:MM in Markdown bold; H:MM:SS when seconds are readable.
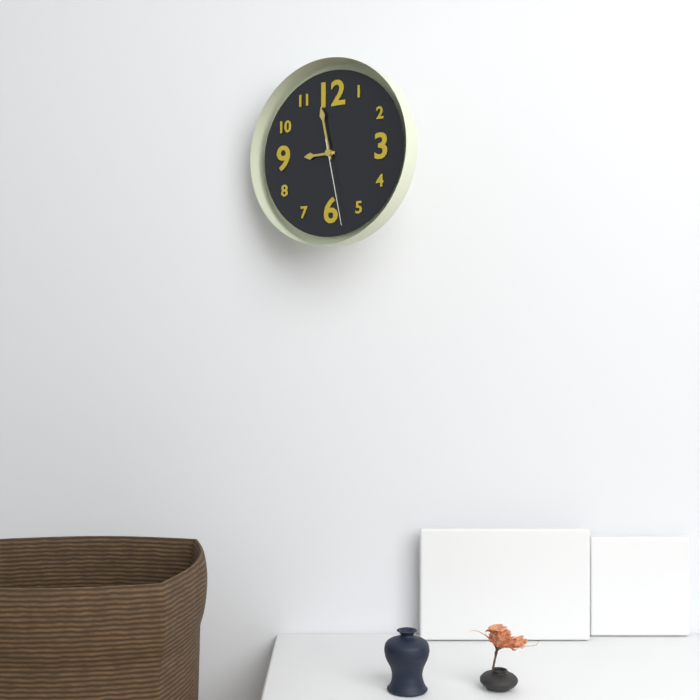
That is **8:58:28**
